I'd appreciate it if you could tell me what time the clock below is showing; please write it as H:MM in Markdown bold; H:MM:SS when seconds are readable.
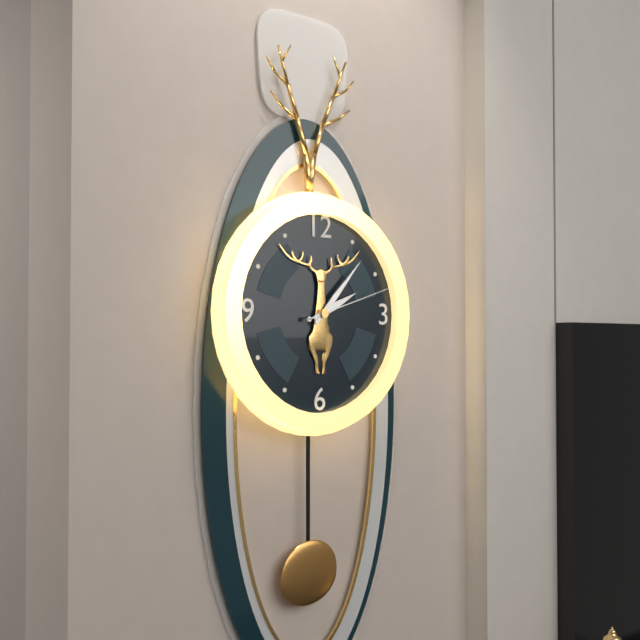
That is **2:07:12**
